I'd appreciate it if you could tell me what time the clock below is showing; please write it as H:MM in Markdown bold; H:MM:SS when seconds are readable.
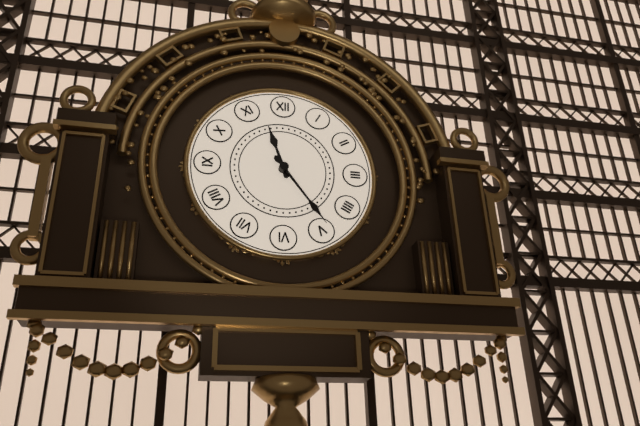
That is **11:24**
